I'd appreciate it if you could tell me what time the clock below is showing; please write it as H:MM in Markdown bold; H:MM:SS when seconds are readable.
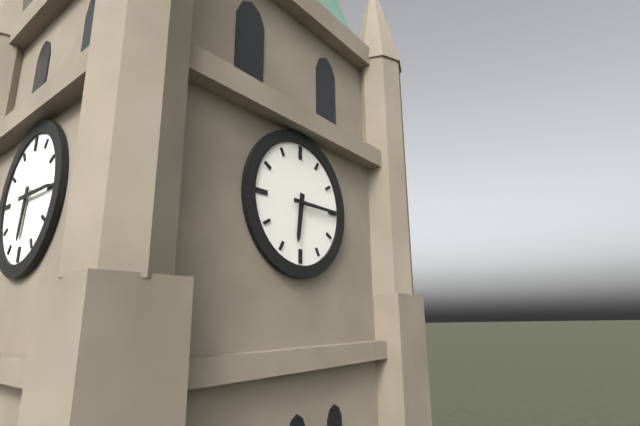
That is **6:15**
